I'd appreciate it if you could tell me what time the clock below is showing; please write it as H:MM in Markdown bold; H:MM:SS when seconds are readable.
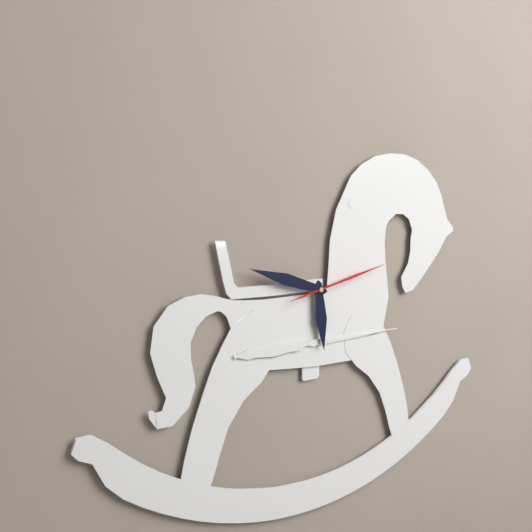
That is **5:48:13**
